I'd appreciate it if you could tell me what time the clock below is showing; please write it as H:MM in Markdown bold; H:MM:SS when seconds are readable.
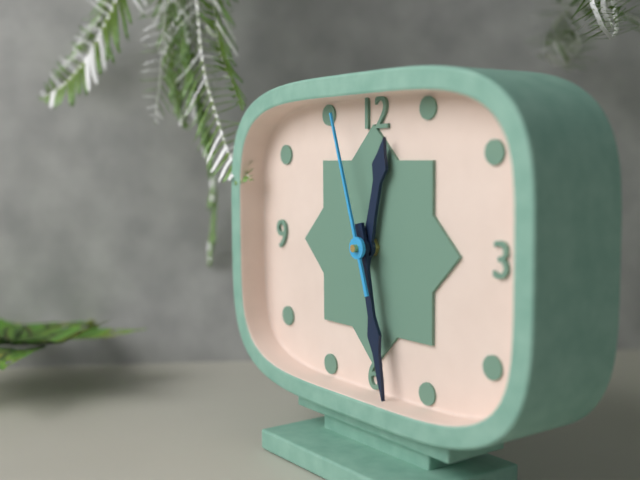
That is **12:28:57**
